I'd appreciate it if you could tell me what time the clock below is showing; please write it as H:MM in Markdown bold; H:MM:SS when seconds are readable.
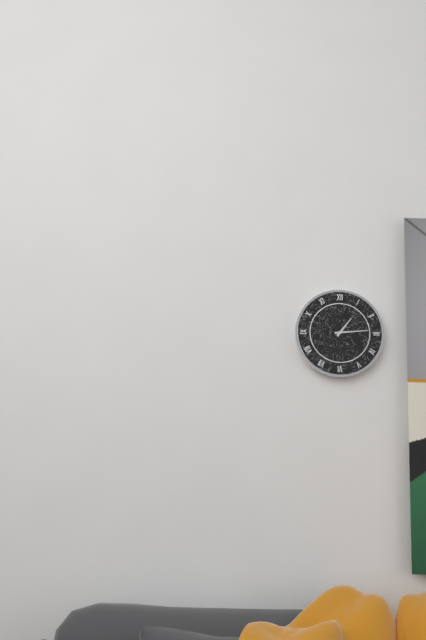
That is **1:14**
